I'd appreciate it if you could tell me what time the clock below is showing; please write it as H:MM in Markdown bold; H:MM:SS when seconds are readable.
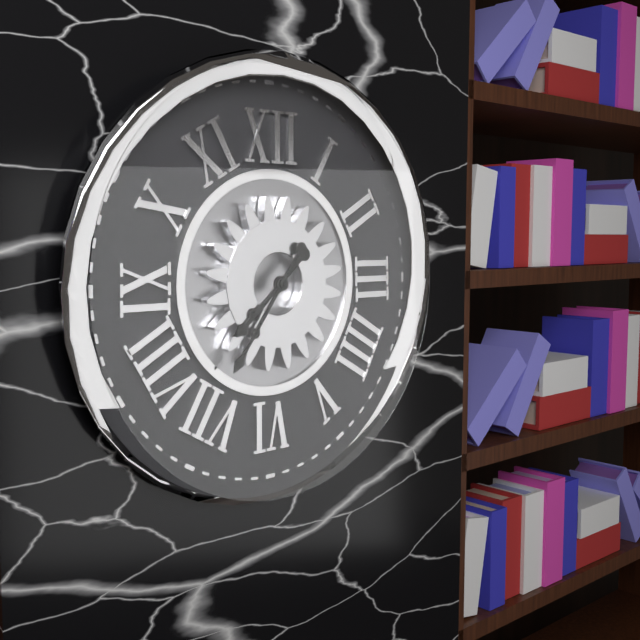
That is **7:36**
